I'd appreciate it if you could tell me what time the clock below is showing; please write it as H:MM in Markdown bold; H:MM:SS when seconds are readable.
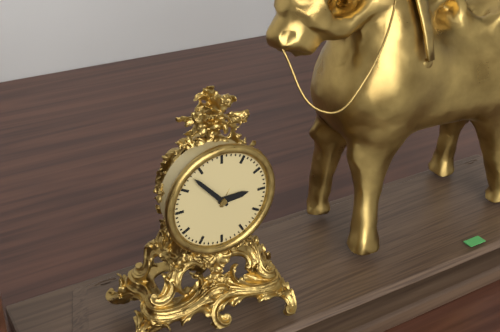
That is **2:53**
